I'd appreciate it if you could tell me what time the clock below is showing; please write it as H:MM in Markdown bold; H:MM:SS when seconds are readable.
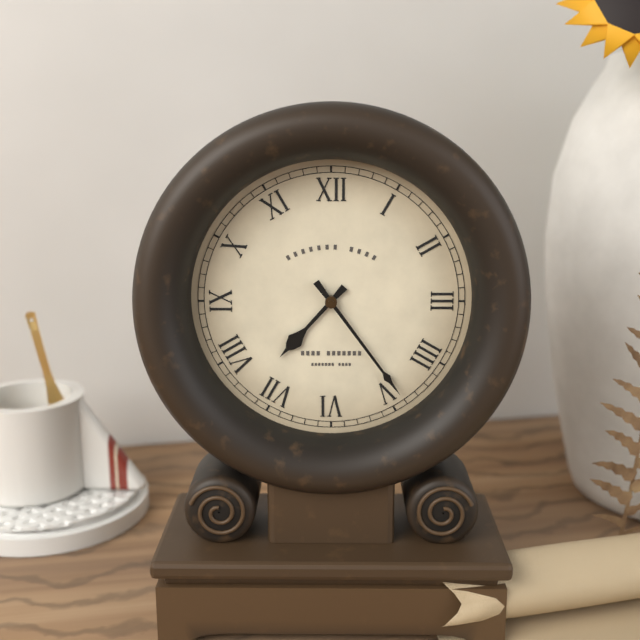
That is **7:24**
